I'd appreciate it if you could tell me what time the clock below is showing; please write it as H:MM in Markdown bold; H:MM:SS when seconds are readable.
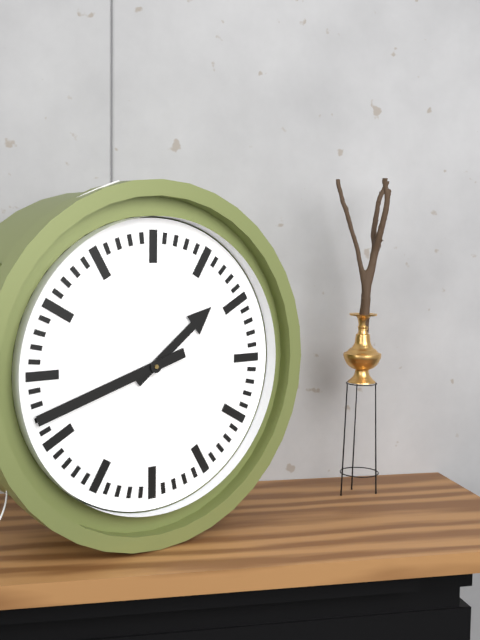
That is **1:42**
